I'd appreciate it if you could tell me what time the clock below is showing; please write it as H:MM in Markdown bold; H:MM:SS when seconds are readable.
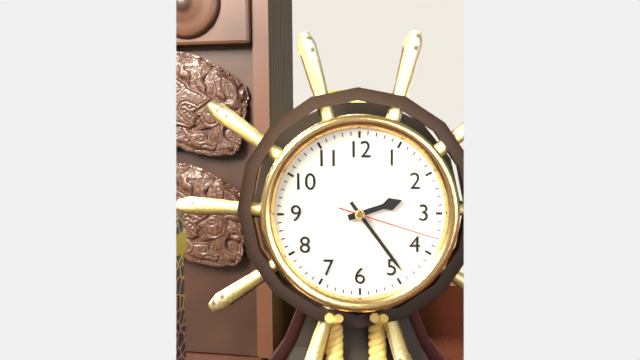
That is **2:24:18**
